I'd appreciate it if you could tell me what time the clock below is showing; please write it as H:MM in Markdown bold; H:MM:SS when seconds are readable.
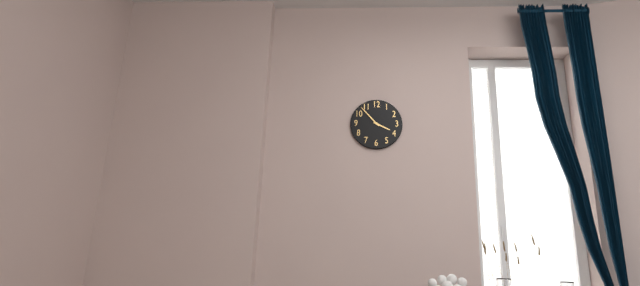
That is **3:53**
